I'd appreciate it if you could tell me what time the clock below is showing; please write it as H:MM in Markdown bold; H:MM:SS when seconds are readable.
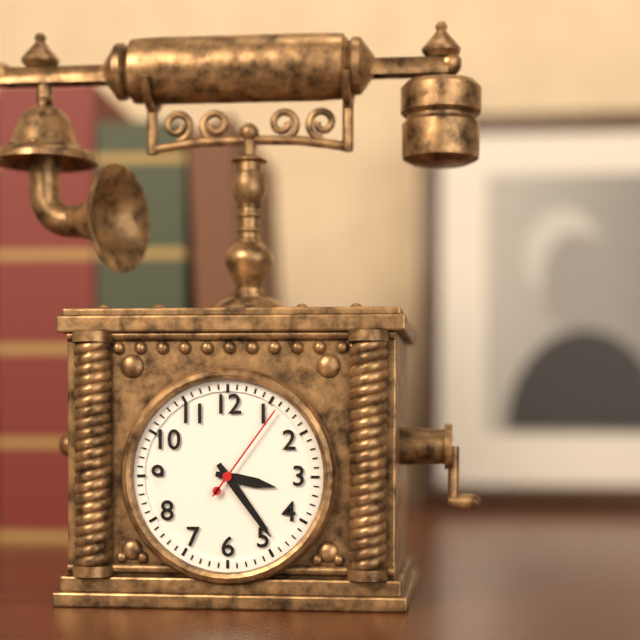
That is **3:24:06**
